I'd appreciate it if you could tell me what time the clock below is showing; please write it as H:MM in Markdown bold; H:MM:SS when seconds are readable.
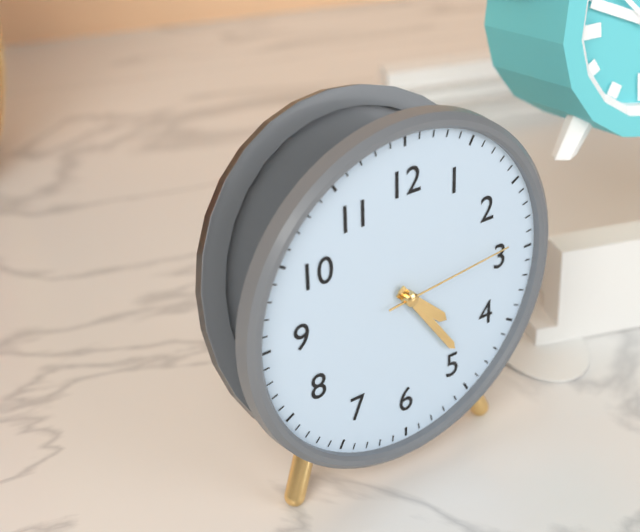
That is **4:24:14**
